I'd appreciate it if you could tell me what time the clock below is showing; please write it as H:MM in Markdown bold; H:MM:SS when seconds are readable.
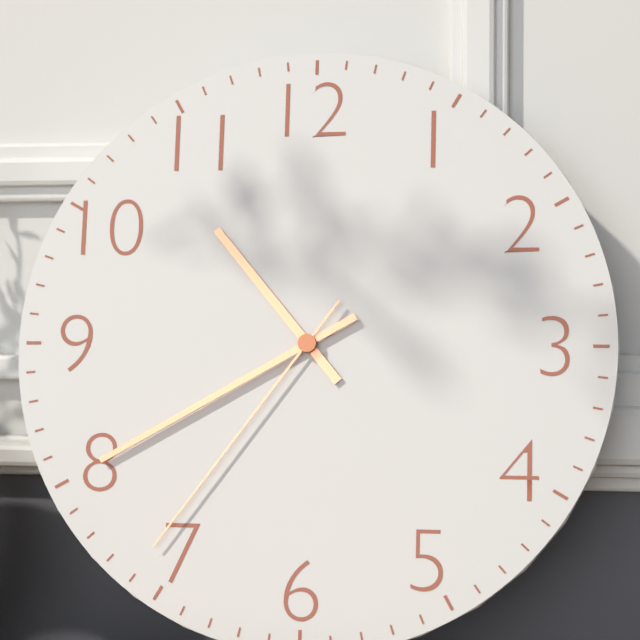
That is **10:40:36**
